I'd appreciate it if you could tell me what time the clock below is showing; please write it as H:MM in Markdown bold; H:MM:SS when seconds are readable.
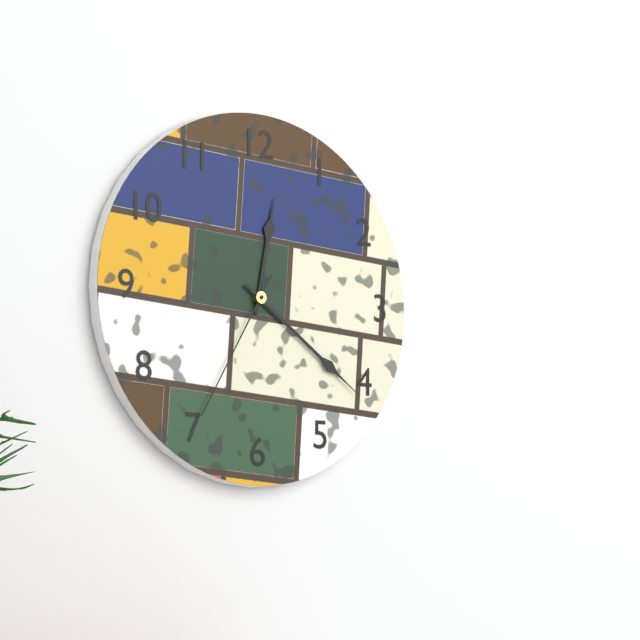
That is **12:21:35**
